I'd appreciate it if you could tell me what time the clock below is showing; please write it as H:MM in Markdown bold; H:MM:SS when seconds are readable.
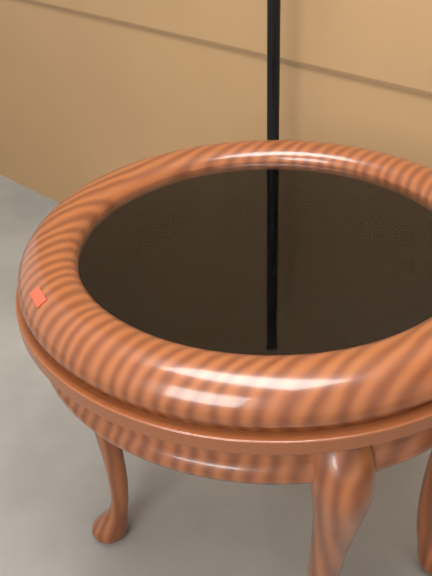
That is **12:37**
